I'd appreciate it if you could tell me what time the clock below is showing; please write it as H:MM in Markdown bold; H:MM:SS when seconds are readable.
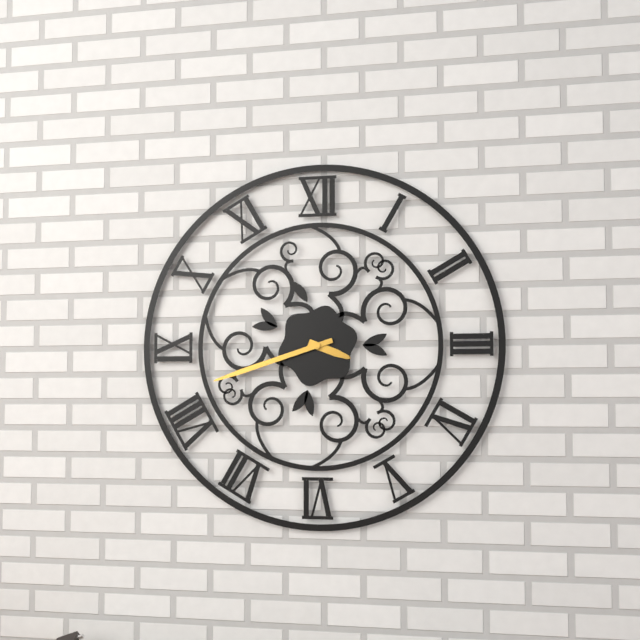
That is **3:42**
